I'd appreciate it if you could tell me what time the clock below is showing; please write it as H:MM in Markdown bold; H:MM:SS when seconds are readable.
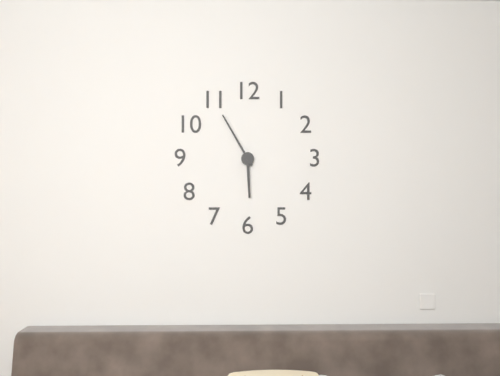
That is **5:55**
